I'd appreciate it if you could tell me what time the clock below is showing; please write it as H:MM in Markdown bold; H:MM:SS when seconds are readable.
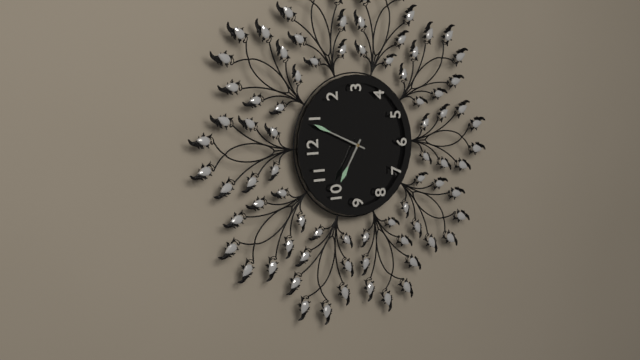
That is **10:04**
